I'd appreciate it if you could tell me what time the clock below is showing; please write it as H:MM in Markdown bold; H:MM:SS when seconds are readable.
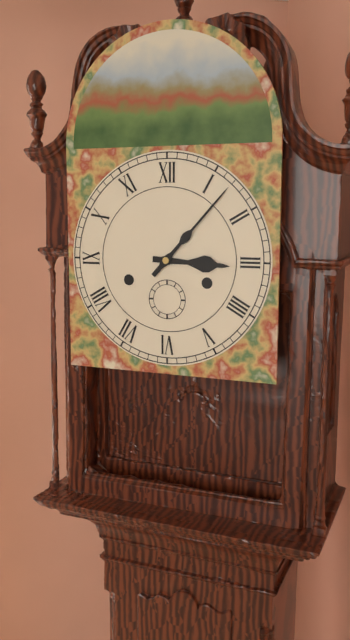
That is **3:07**
